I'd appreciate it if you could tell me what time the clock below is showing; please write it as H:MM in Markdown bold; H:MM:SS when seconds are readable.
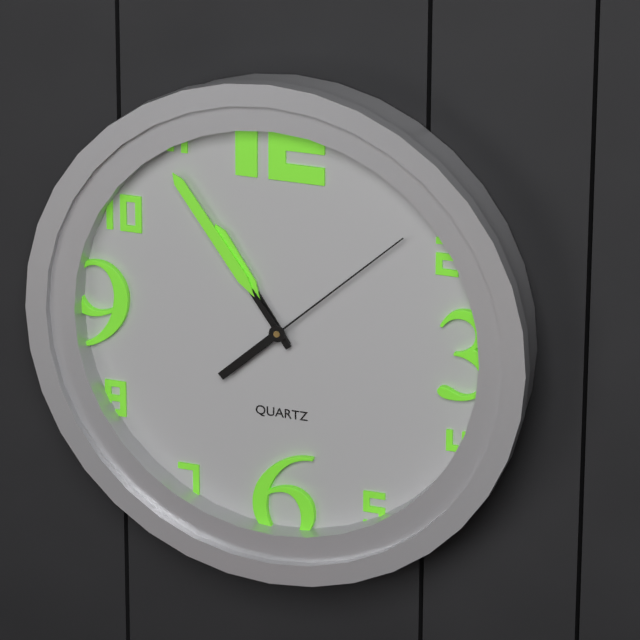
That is **10:54:08**
